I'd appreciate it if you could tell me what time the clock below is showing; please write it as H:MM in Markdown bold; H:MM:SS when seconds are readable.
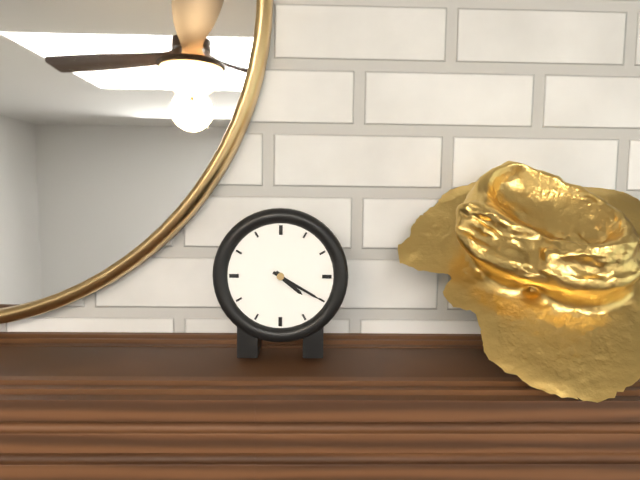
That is **4:20**
